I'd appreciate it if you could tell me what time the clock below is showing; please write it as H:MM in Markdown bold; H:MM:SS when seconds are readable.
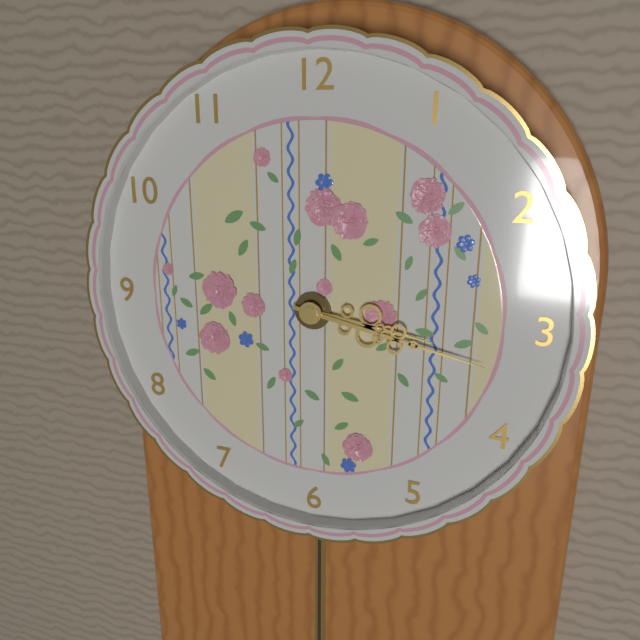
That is **3:17**
